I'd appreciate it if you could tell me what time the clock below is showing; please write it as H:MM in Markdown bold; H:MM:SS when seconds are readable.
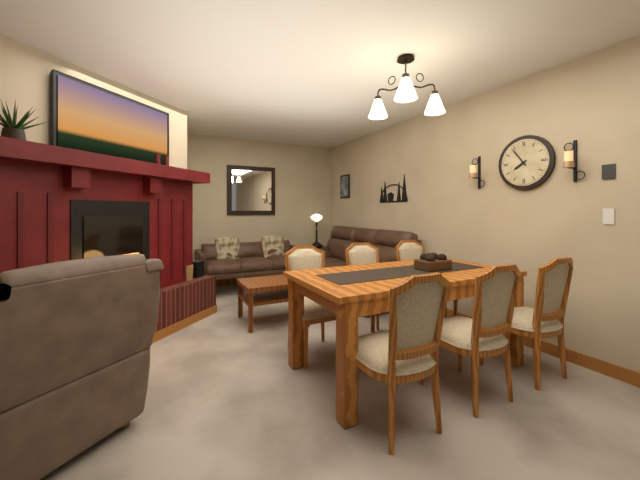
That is **7:54**
